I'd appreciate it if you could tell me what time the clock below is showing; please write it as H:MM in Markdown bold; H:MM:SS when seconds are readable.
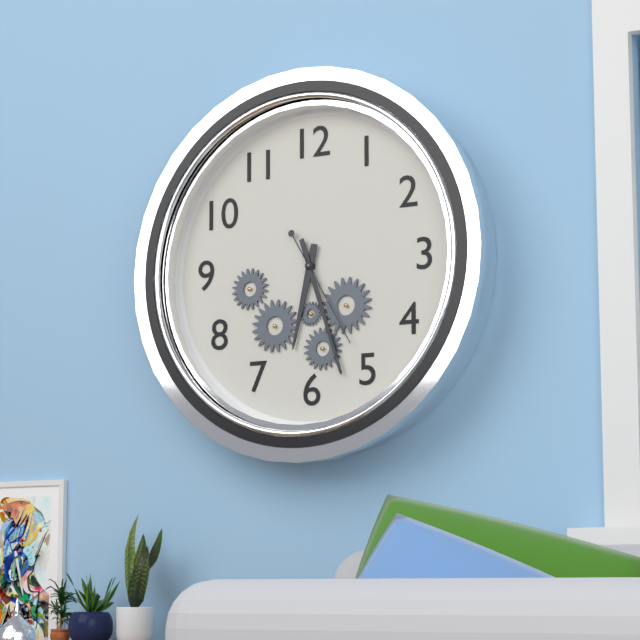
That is **6:27:25**
